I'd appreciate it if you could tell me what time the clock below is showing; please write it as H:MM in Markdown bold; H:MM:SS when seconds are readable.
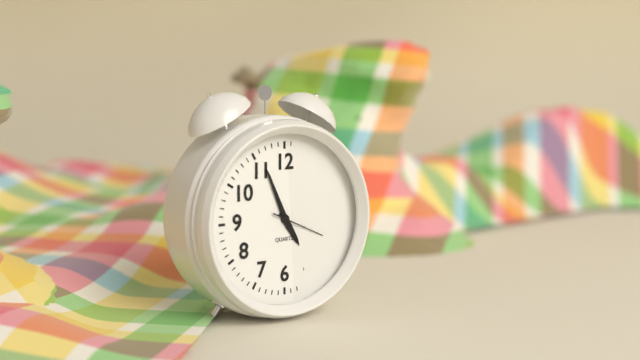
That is **4:56:19**
